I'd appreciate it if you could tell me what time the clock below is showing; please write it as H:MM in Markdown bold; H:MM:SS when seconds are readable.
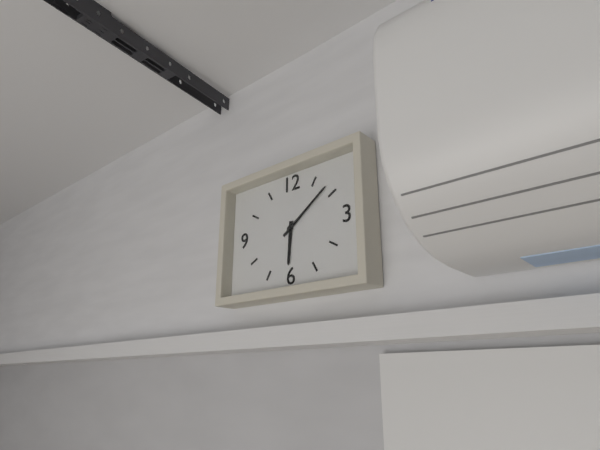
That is **6:09**
